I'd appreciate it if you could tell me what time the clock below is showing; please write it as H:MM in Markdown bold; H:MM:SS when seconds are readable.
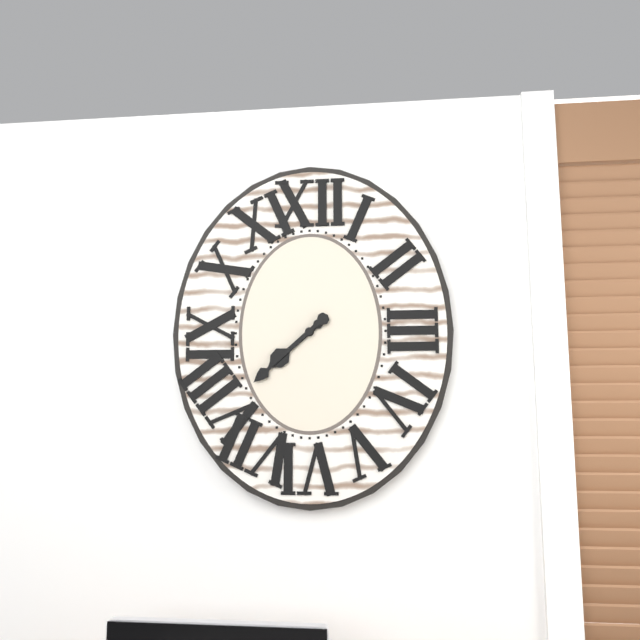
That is **7:38**
